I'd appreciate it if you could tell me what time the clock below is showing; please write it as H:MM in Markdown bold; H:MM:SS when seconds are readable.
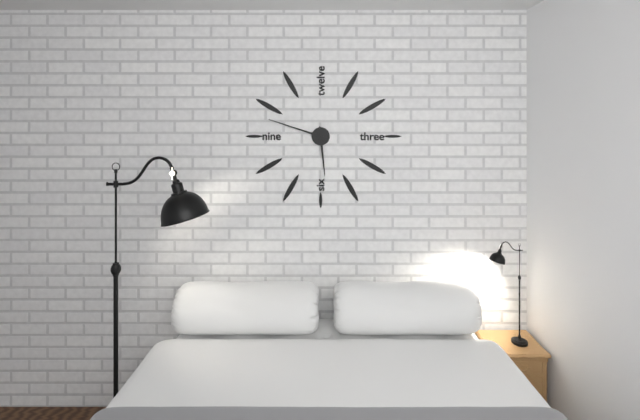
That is **5:48**
